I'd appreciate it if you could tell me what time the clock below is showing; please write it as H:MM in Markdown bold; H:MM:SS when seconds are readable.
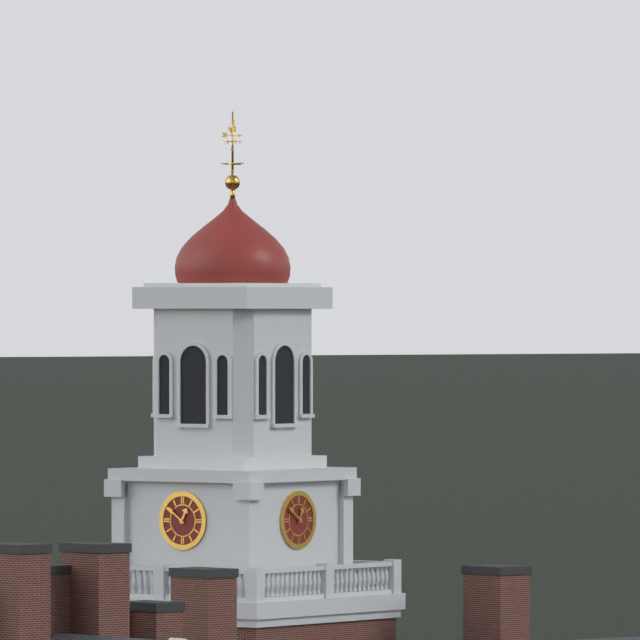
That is **12:51**
